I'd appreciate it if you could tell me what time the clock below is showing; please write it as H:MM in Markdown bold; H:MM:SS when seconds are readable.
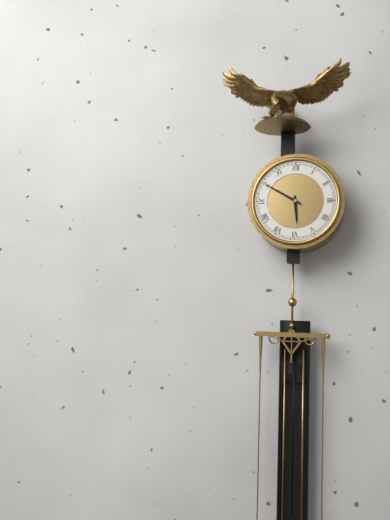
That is **5:50**
